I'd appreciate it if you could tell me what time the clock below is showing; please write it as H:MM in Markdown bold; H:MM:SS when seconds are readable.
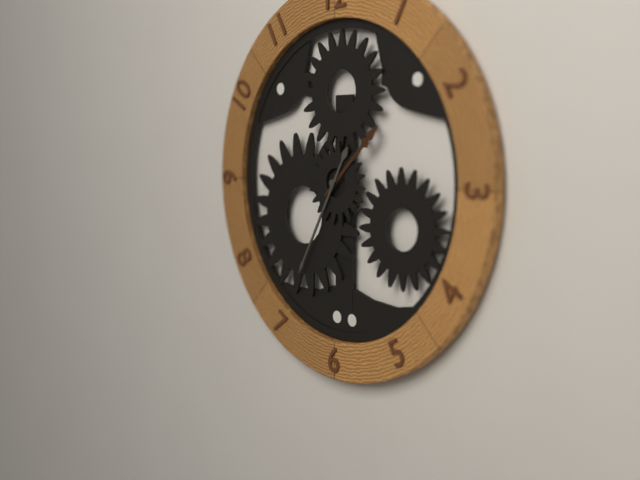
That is **1:35**
